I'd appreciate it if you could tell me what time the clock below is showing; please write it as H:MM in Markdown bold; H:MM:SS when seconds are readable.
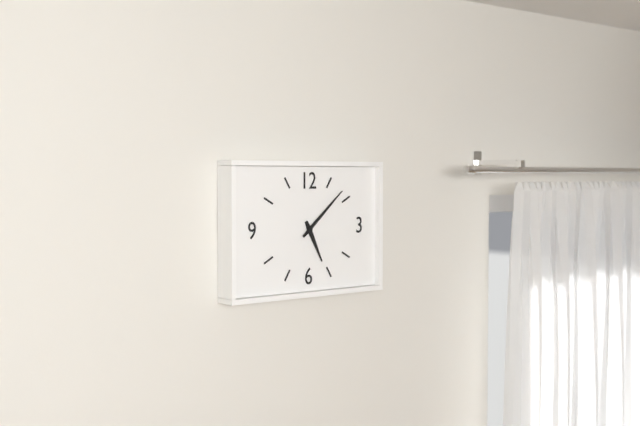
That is **5:08**
